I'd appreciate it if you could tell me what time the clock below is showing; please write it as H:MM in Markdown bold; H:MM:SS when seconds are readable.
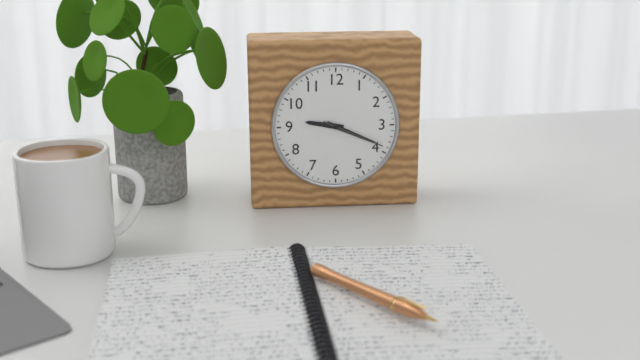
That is **9:19:19**
